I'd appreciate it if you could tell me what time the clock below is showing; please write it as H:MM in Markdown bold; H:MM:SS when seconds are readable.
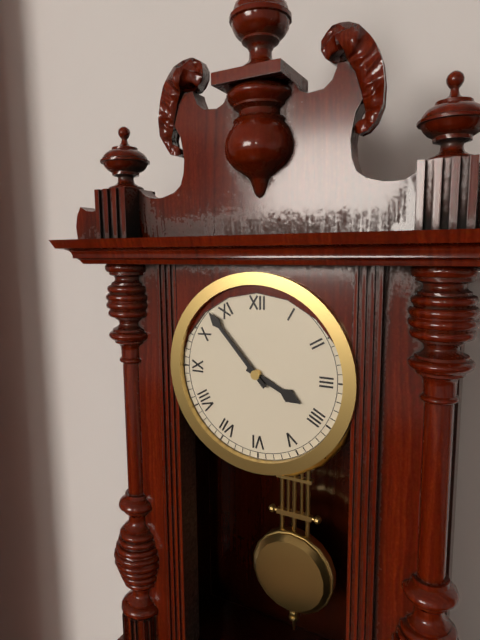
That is **3:53**
